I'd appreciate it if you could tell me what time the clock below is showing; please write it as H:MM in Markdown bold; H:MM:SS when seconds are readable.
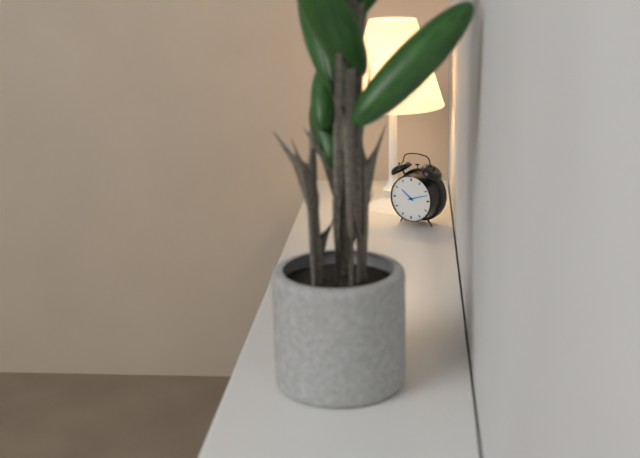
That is **10:12**
